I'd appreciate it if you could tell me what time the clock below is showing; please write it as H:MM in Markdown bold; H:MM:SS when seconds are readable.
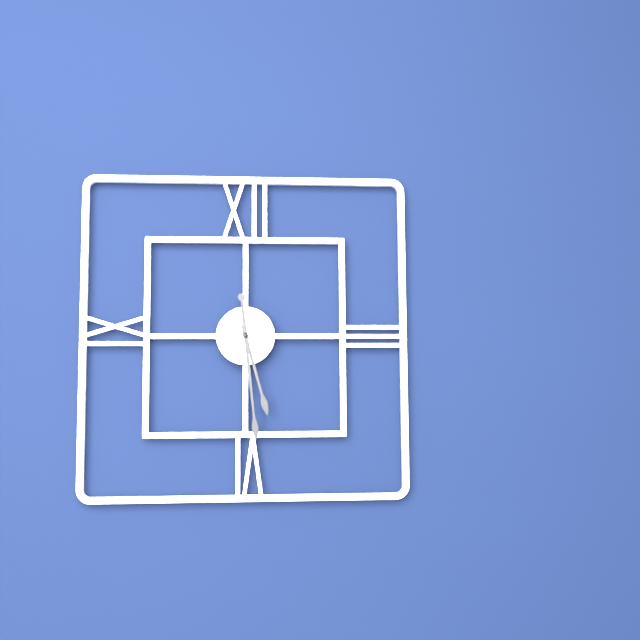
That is **5:29**
